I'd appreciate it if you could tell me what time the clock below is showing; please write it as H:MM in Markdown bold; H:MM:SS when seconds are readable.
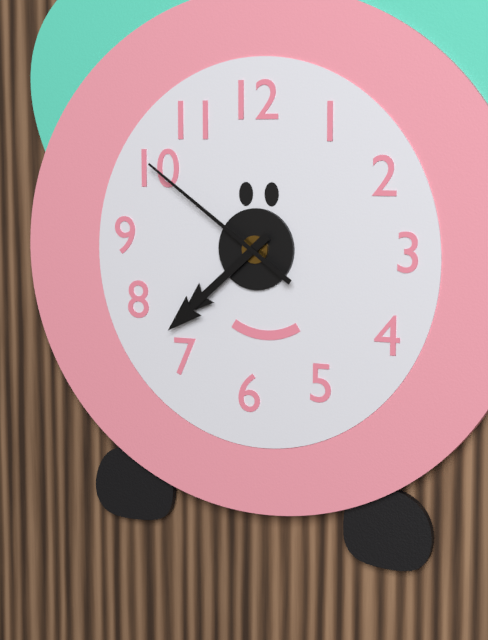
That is **7:38:51**
